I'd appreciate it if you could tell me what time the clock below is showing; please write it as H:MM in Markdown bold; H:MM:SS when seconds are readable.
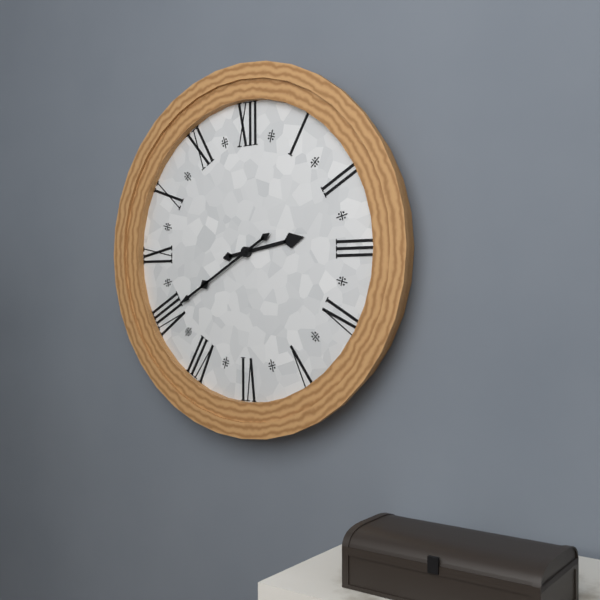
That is **2:40**
